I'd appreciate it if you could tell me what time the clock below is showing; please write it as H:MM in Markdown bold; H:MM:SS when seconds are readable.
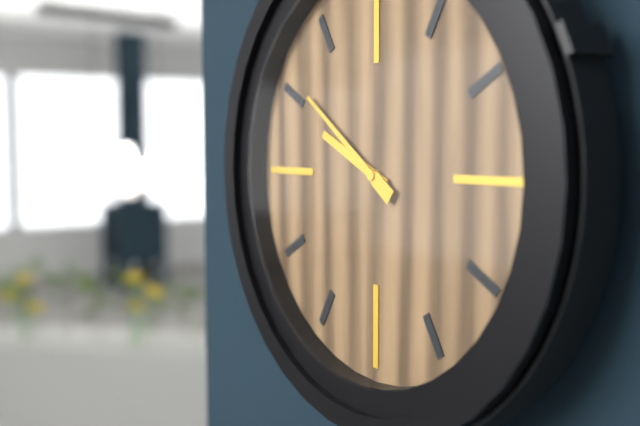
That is **9:51**
